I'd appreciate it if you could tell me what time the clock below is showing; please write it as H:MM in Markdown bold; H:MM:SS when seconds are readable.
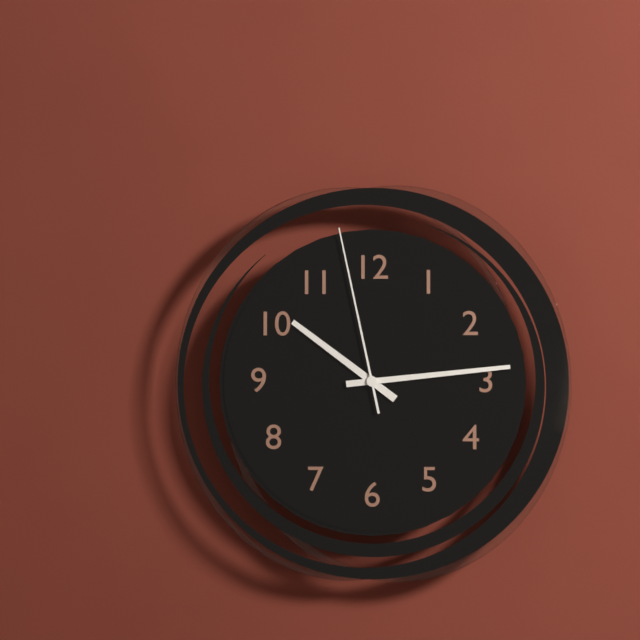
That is **10:14:58**
